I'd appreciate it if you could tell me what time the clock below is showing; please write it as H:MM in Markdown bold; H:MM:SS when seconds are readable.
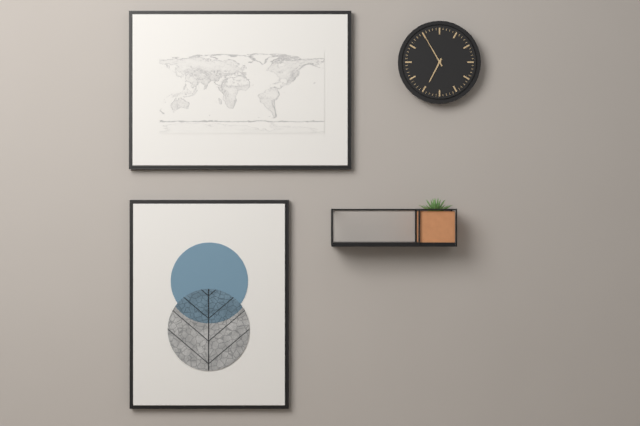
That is **6:55**
